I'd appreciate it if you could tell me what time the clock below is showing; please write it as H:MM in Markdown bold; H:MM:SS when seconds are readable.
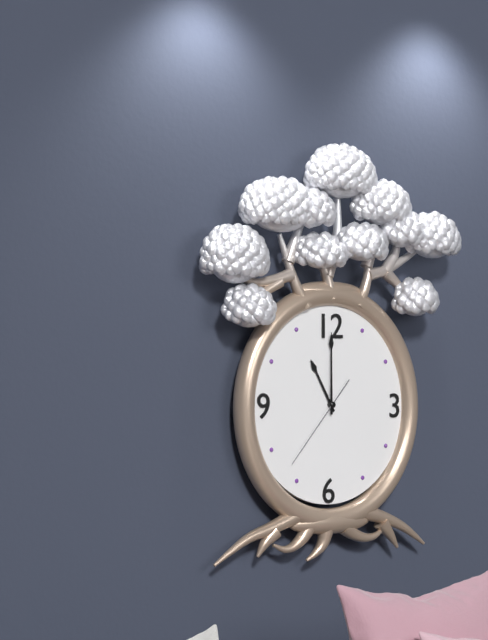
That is **11:00:37**
